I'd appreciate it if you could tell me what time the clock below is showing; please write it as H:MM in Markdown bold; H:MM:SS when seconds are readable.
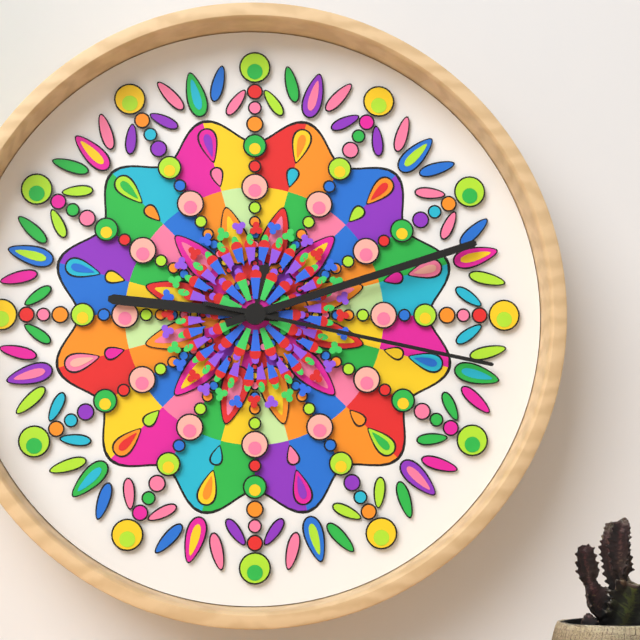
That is **9:12:17**
